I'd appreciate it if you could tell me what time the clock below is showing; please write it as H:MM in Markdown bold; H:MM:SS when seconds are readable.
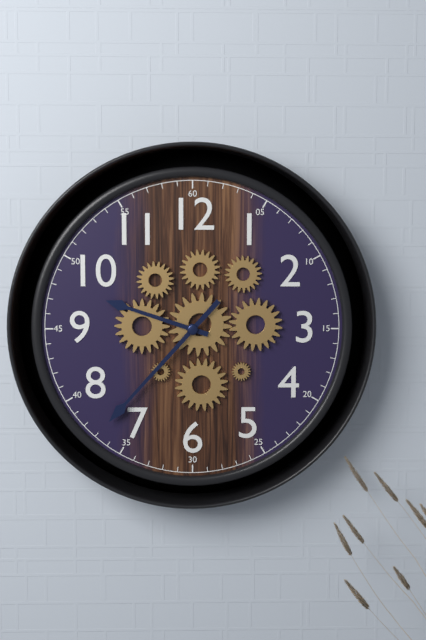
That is **9:37**
